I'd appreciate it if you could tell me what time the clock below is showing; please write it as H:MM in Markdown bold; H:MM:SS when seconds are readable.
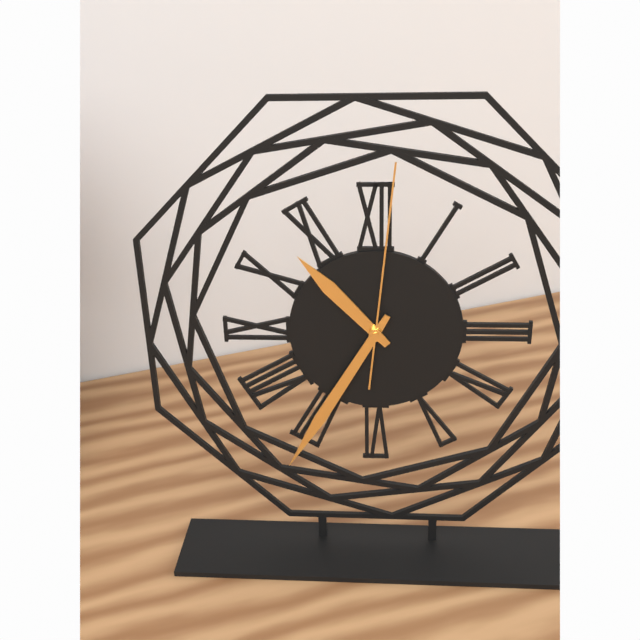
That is **10:35:01**
